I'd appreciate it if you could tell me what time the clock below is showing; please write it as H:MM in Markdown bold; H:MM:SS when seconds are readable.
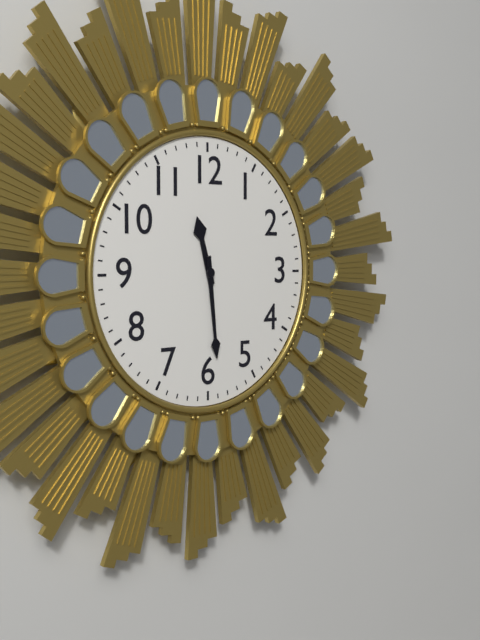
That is **11:29**
